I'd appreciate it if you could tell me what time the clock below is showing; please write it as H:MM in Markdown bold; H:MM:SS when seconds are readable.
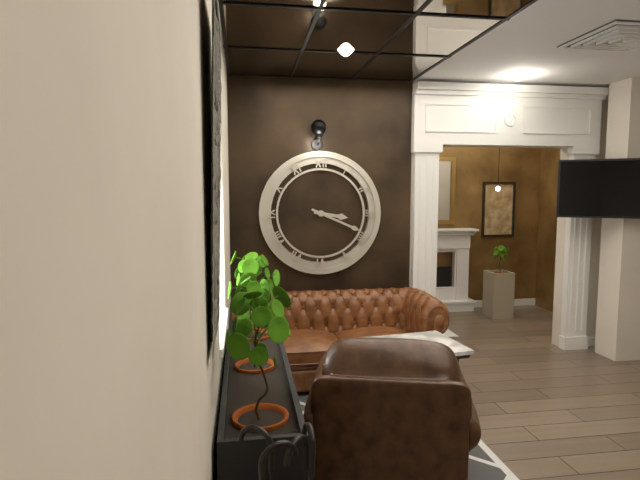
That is **3:19**
